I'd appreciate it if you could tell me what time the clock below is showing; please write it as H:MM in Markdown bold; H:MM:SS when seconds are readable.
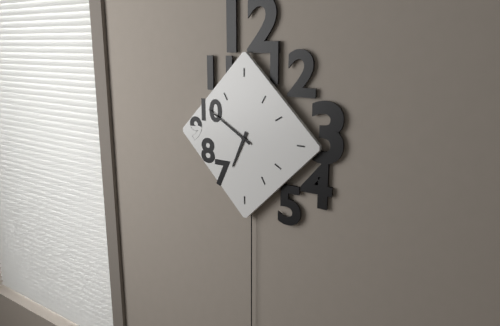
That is **6:50**
